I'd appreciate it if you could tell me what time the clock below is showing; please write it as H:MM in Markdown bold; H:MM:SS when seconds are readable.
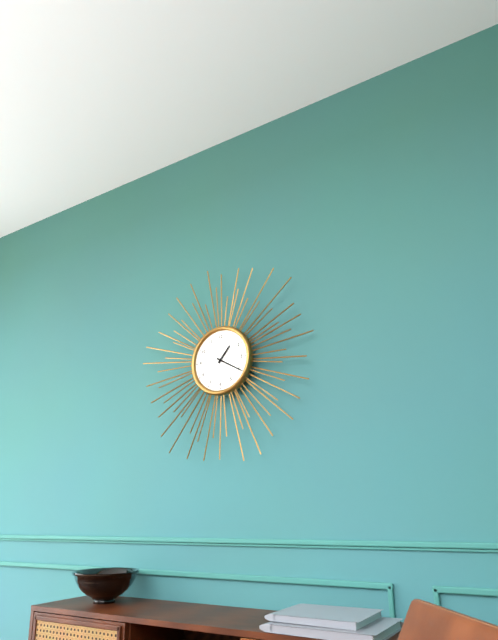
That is **1:20**
